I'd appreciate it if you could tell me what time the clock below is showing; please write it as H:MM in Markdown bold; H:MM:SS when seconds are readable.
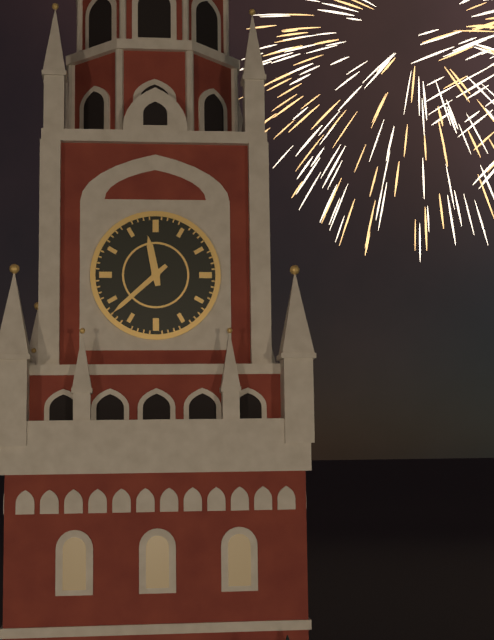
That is **11:38**
